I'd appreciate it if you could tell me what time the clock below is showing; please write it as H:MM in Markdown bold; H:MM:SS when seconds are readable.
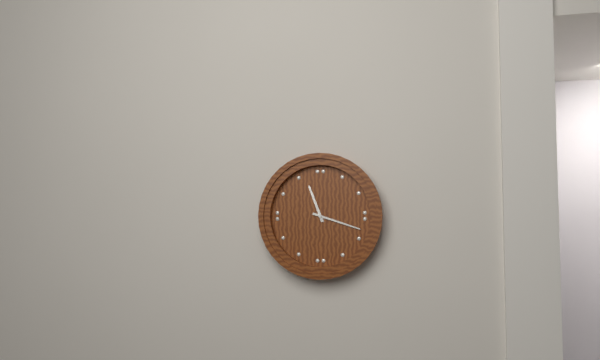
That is **11:18**
